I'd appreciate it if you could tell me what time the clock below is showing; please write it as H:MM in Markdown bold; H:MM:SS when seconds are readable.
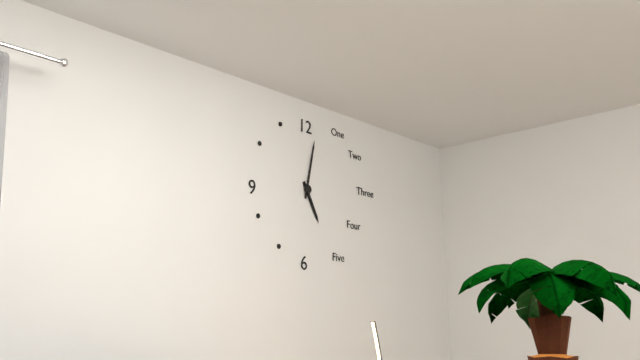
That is **5:02**
